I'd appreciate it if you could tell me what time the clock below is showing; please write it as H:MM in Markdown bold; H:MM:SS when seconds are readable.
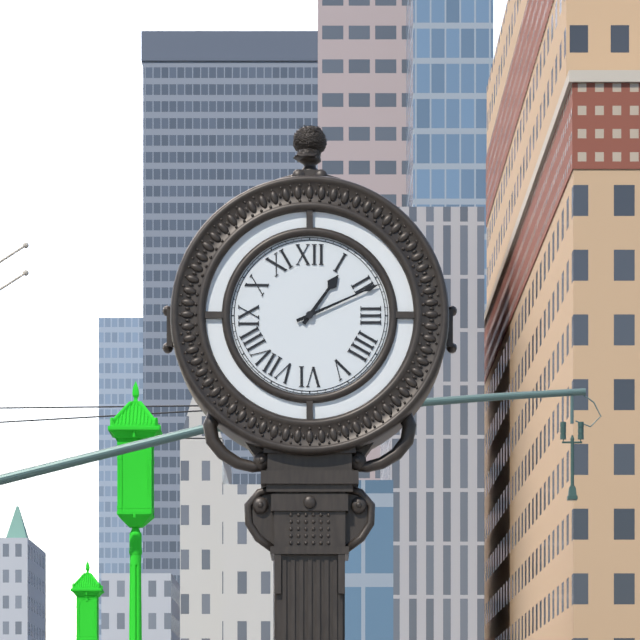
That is **1:11**
